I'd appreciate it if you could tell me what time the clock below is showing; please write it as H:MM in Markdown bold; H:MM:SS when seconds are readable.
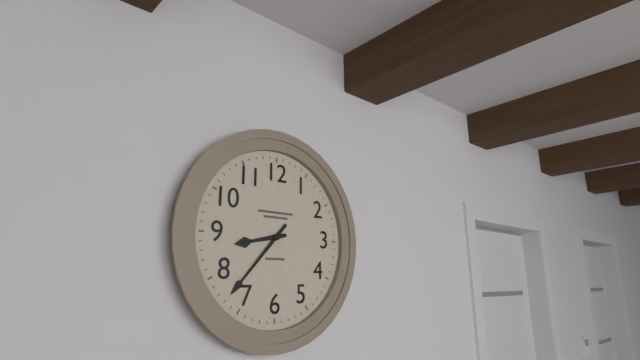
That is **8:37**
